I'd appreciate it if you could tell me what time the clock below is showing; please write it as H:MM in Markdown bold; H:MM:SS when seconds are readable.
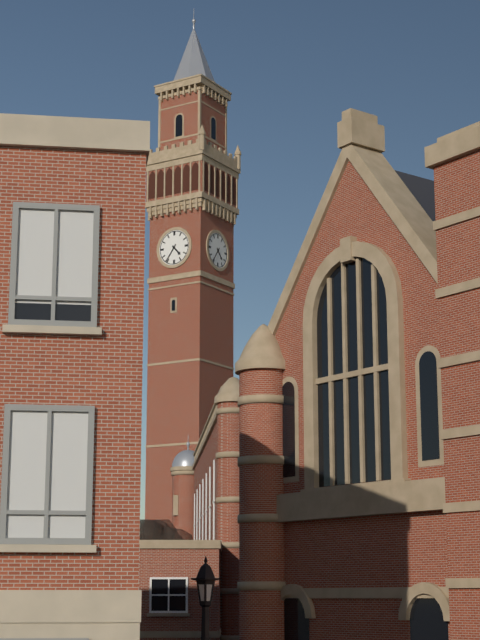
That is **4:36**
